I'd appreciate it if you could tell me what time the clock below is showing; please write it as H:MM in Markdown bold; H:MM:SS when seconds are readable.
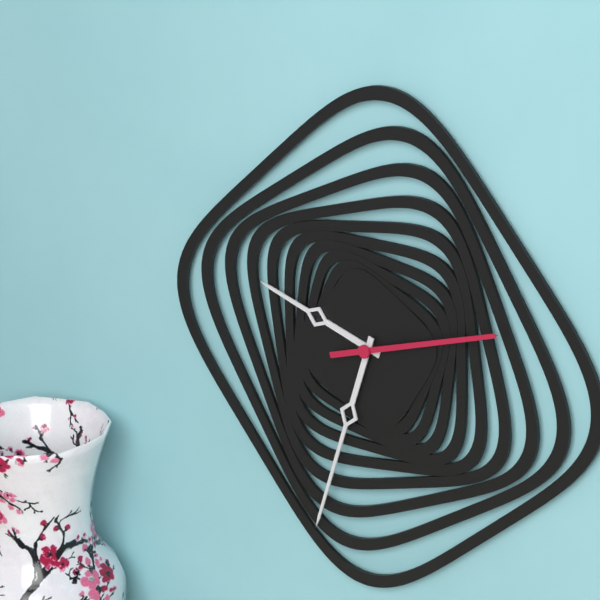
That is **9:33:12**
